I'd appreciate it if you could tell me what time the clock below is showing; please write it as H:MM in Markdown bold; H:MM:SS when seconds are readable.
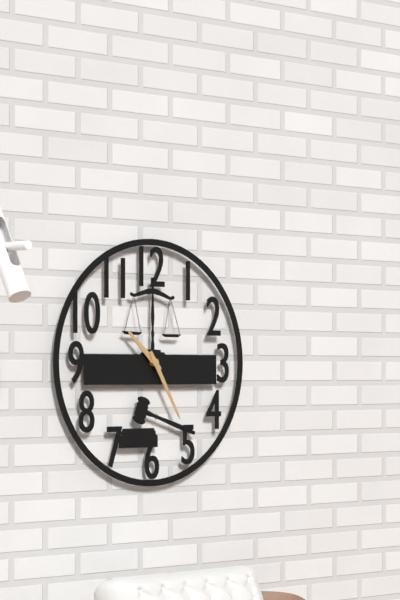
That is **10:25**
